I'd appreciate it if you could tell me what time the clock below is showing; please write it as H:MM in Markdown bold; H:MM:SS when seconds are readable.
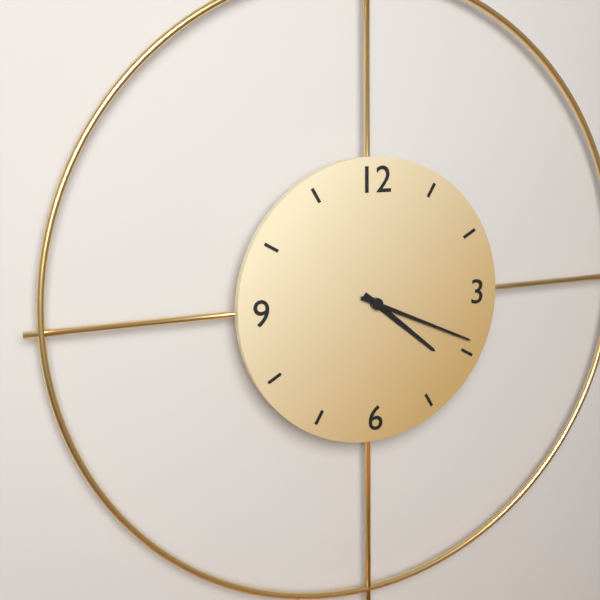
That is **4:19**
